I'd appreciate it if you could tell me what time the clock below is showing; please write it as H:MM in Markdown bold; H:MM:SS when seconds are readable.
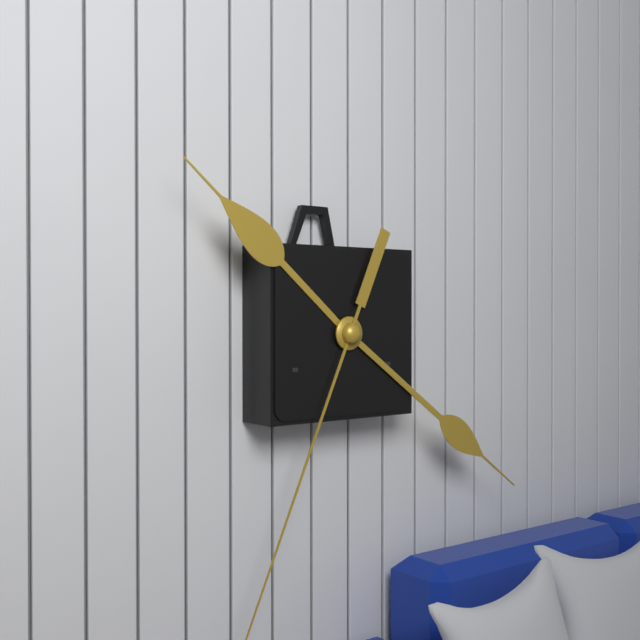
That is **10:21**
